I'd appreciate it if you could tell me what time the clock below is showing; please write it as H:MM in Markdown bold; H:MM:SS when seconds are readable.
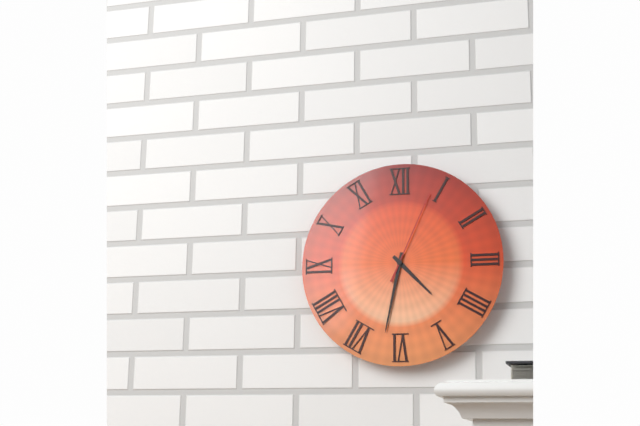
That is **4:32:04**
